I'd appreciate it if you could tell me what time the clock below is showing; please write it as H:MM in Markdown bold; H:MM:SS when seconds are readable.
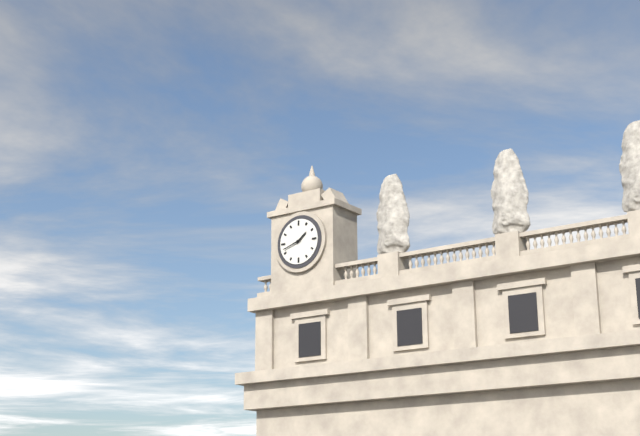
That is **1:42**
